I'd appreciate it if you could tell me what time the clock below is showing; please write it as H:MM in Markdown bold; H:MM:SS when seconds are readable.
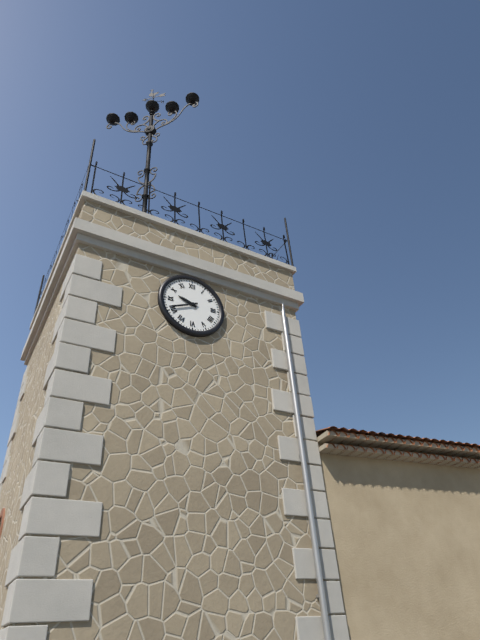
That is **9:41**
